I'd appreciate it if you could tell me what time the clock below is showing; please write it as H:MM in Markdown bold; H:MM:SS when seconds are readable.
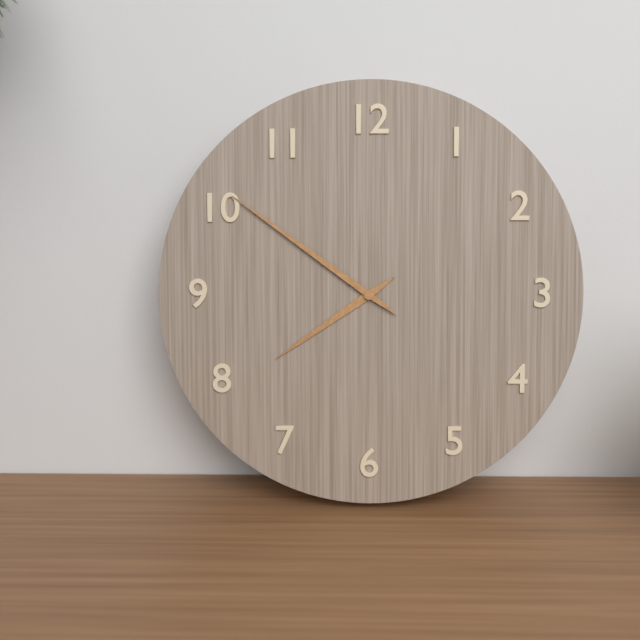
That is **7:51**
